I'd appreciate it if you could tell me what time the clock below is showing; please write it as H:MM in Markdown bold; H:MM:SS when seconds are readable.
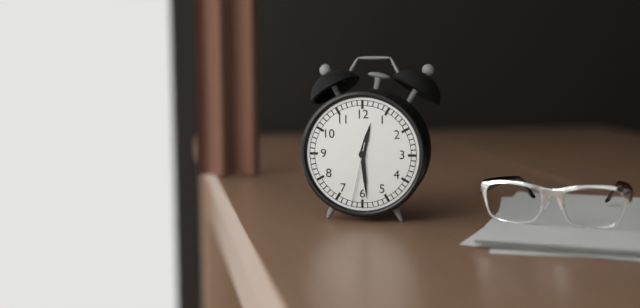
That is **12:29:32**
